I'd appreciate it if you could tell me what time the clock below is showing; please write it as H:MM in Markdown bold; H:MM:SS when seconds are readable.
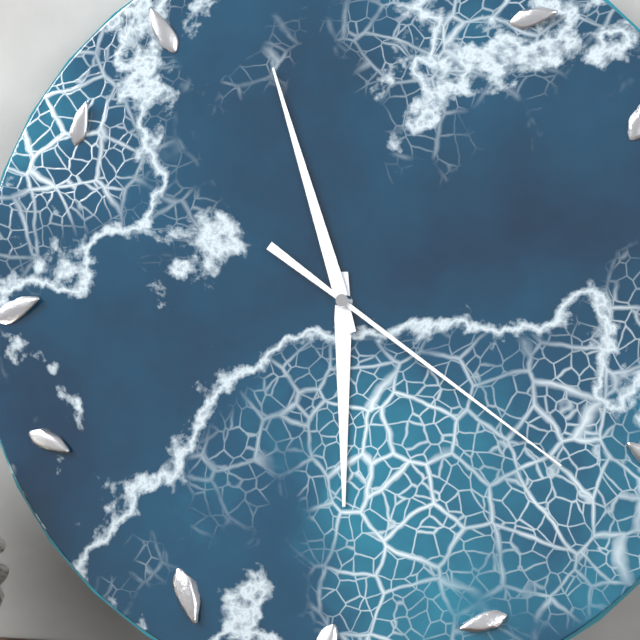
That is **5:57:21**
